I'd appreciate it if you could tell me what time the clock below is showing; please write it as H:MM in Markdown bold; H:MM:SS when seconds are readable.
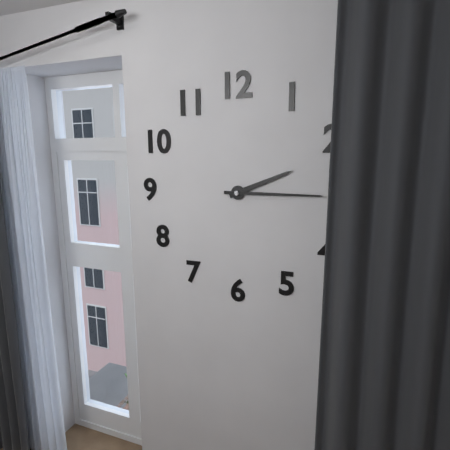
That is **2:15**
